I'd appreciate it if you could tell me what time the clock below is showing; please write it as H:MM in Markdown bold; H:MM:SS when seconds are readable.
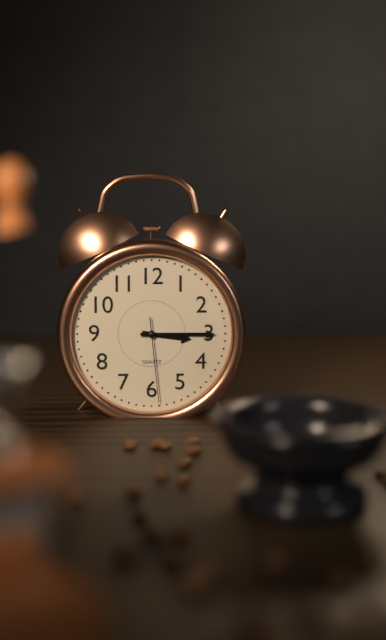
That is **3:15:29**
